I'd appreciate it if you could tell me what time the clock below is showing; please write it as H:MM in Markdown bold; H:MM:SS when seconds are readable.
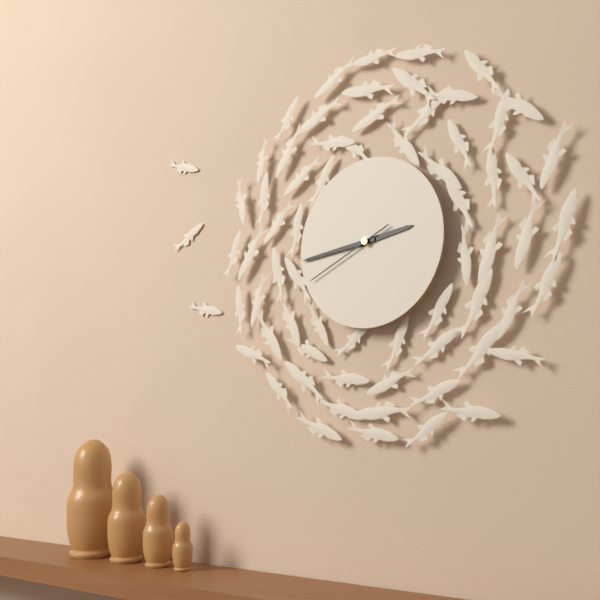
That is **2:44:41**
